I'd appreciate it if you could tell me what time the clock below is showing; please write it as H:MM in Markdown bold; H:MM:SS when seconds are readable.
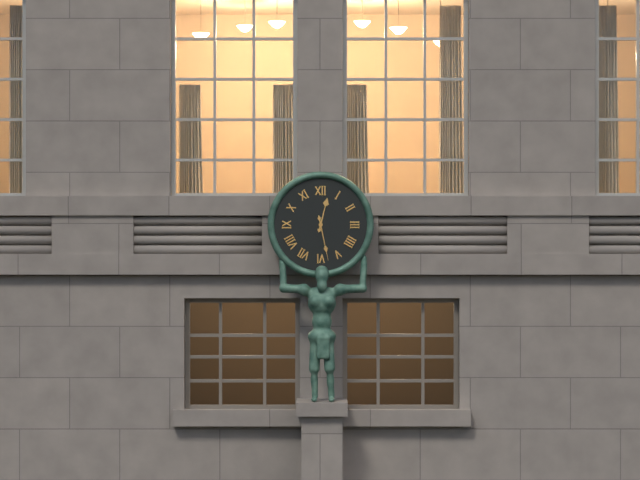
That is **12:28**
